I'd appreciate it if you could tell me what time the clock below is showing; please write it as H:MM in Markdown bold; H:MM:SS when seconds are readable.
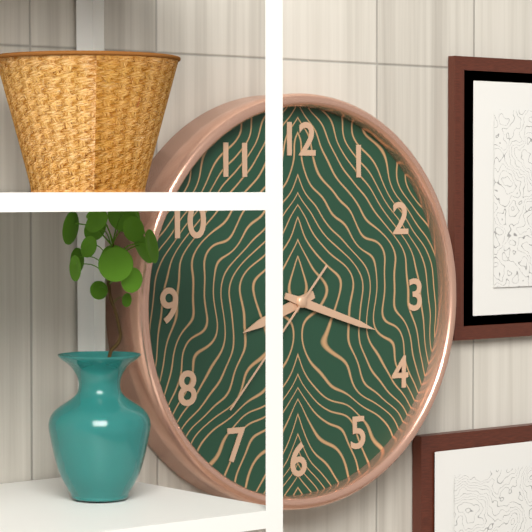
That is **8:18:37**
